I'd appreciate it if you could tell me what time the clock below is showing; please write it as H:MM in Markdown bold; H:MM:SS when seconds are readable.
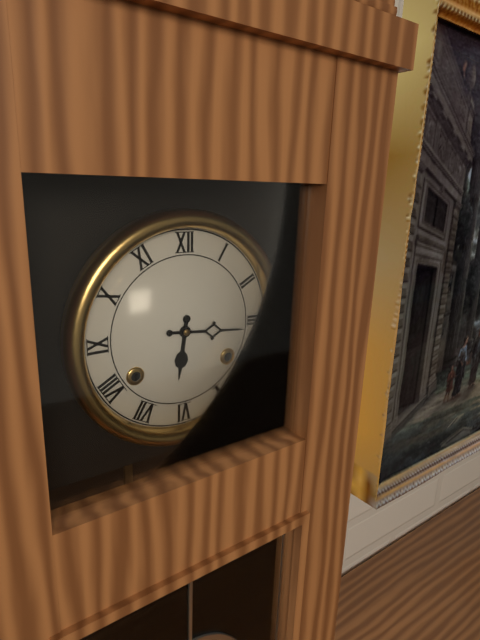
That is **6:16**
